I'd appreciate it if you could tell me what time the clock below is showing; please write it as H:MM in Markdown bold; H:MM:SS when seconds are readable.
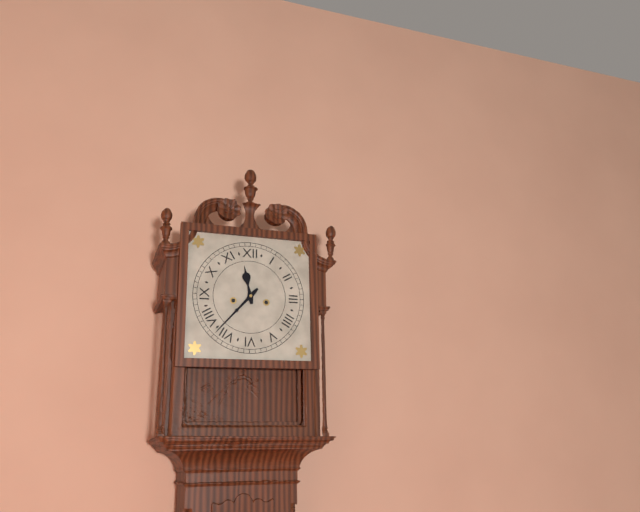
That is **11:37**
